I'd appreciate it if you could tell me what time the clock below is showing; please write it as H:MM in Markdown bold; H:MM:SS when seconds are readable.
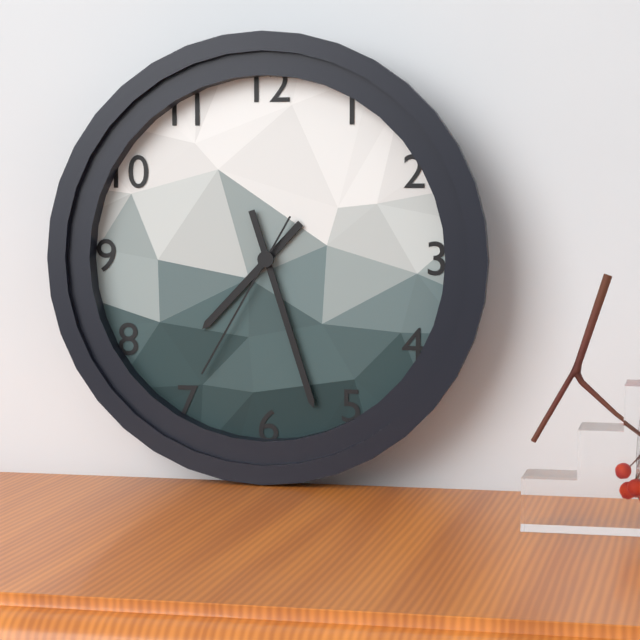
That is **7:27:35**
